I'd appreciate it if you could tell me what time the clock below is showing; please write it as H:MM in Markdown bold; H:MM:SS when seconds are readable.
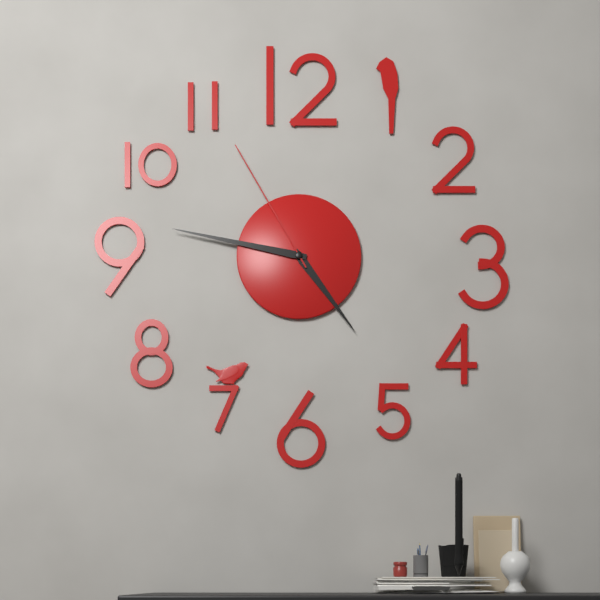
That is **4:47:55**
